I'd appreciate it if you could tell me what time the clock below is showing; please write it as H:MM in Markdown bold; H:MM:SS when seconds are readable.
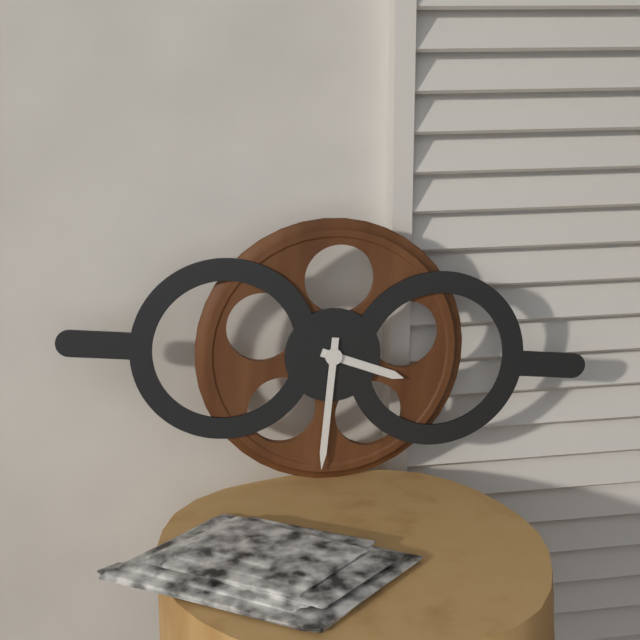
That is **3:30**
